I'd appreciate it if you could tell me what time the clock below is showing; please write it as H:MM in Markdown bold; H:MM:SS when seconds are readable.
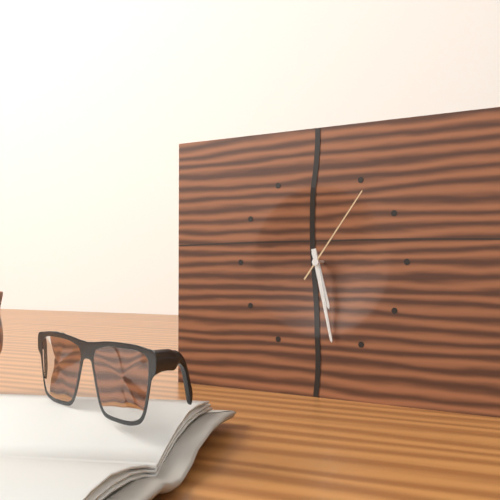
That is **5:28:06**
